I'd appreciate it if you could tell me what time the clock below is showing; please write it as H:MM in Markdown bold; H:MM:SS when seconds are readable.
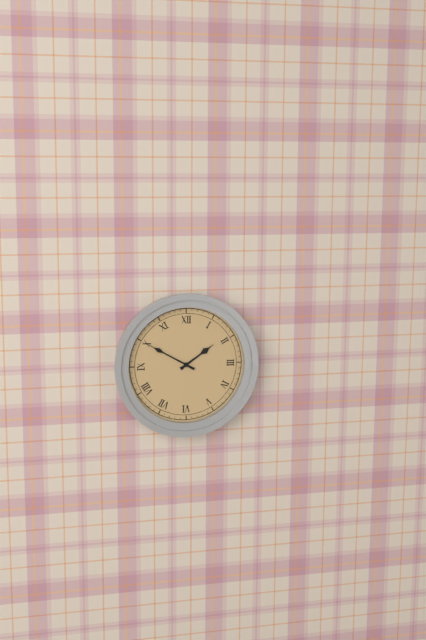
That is **1:50**
